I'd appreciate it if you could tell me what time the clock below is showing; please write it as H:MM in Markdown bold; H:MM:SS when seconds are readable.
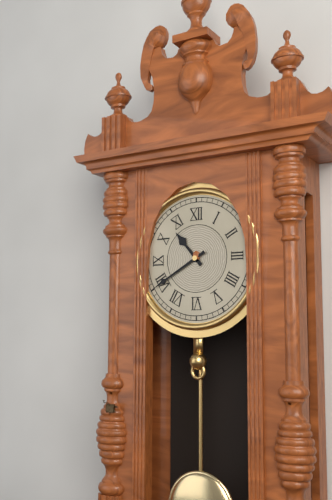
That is **10:40**
